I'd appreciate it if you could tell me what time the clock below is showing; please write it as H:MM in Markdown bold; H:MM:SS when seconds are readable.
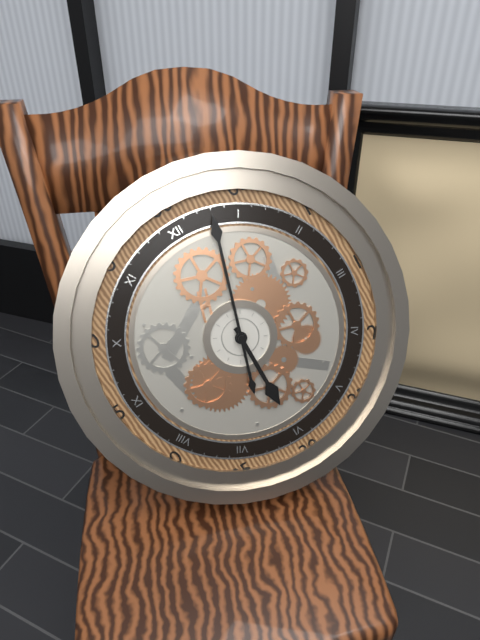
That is **6:03**
